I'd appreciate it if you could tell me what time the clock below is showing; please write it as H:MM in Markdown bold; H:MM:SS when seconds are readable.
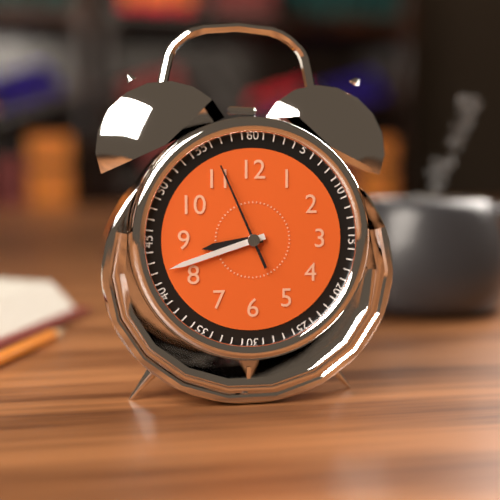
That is **8:42:56**
